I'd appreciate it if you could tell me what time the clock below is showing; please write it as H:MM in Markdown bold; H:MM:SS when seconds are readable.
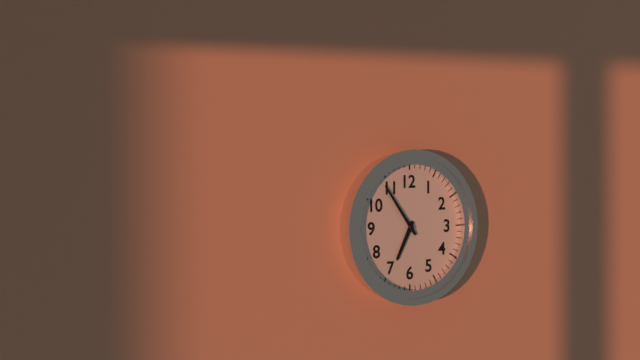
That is **6:54**
